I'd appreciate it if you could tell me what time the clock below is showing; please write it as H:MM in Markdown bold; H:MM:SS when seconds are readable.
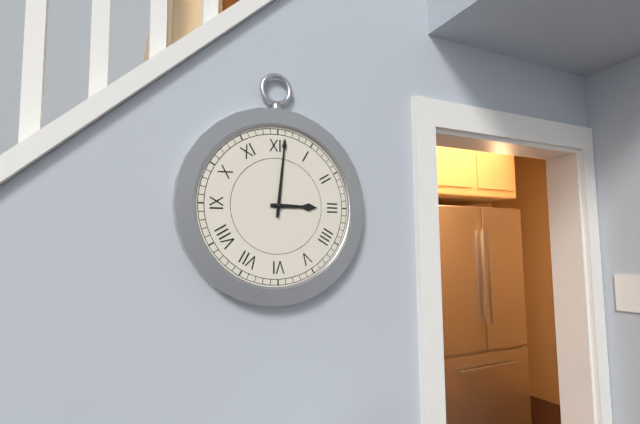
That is **3:01**
